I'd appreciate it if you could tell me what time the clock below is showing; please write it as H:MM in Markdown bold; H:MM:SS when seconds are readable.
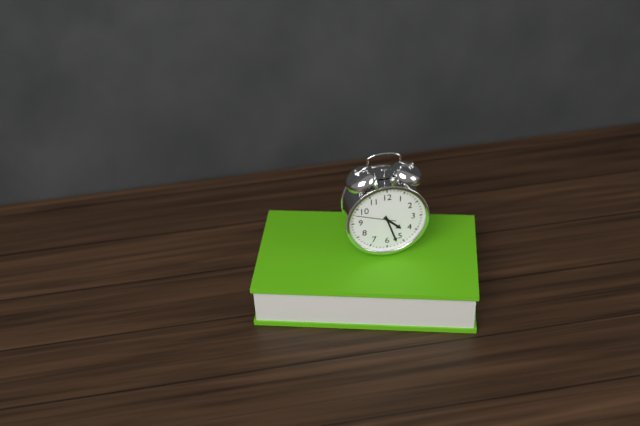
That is **4:27**
